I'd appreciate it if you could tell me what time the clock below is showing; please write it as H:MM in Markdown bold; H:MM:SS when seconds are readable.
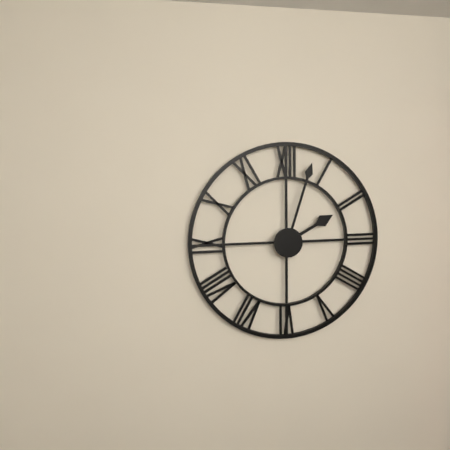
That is **2:03**
